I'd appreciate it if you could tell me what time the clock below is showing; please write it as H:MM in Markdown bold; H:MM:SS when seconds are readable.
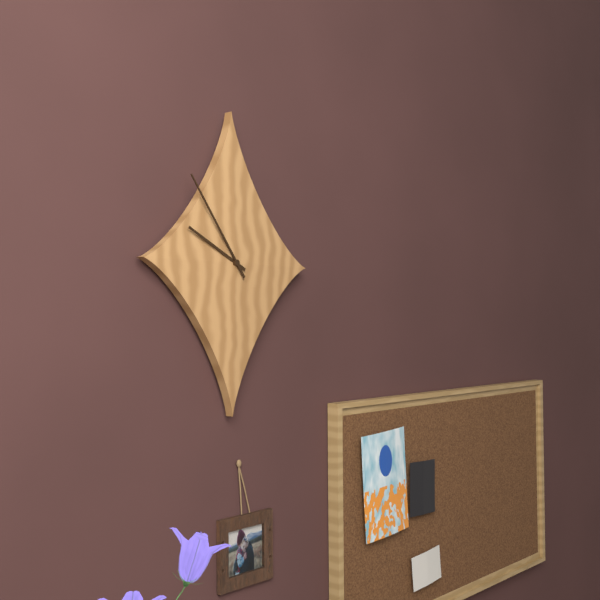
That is **9:54**
